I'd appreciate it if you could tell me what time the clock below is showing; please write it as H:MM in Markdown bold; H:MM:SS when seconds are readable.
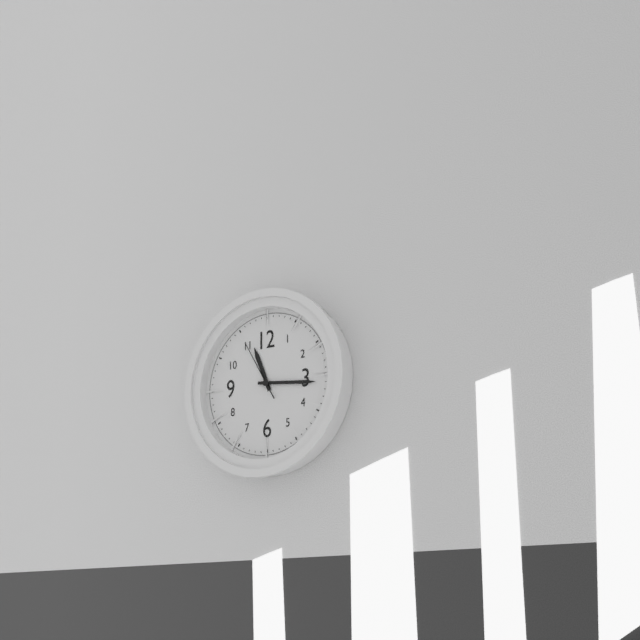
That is **11:16:55**
